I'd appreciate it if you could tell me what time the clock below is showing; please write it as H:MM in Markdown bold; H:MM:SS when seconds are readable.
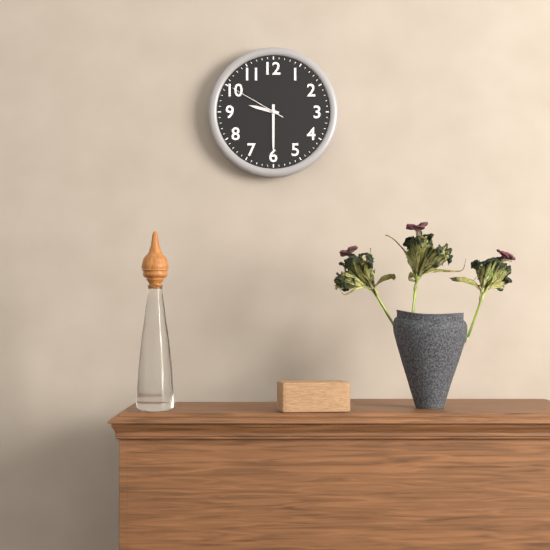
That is **9:30:50**
